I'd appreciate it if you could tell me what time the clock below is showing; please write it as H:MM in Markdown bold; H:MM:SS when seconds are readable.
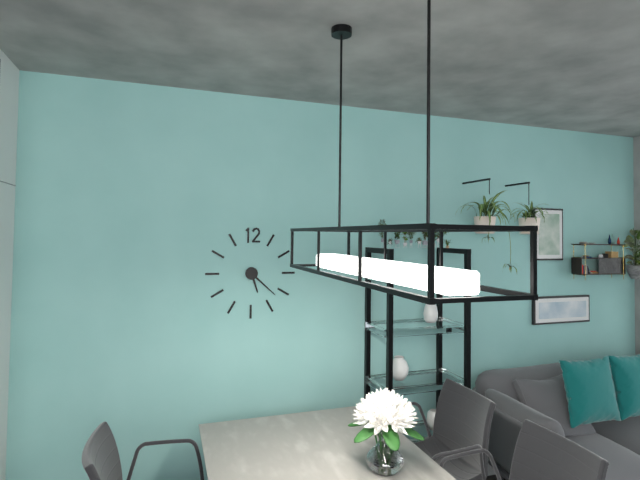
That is **5:22**
